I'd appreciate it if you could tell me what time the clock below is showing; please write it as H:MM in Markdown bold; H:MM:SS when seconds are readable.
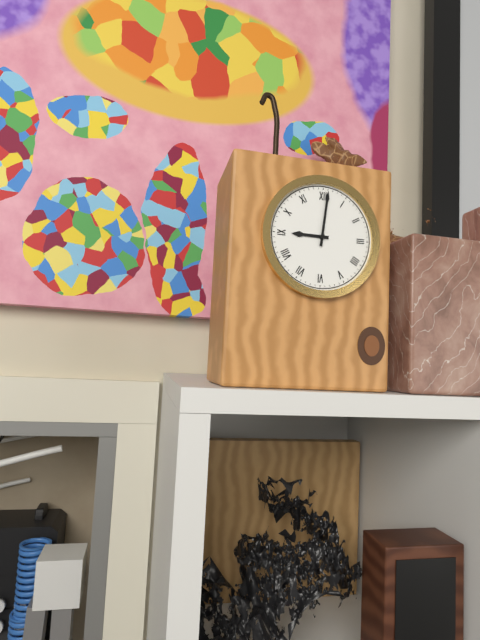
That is **9:01**
